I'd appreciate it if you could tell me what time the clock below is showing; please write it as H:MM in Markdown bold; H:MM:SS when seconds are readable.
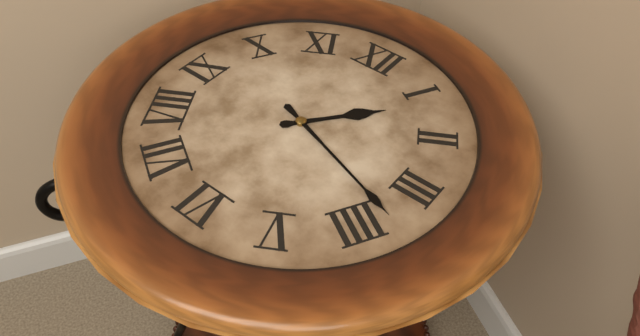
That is **1:18**
